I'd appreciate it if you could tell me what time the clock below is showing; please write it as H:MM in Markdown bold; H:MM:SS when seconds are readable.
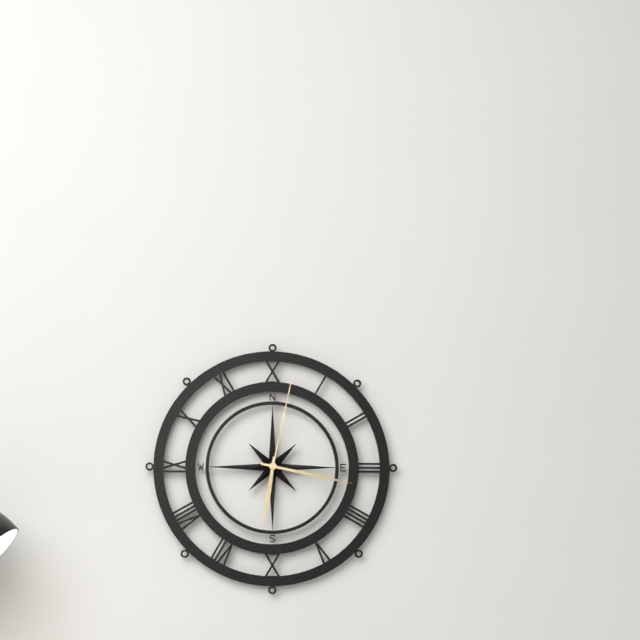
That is **6:17:02**
